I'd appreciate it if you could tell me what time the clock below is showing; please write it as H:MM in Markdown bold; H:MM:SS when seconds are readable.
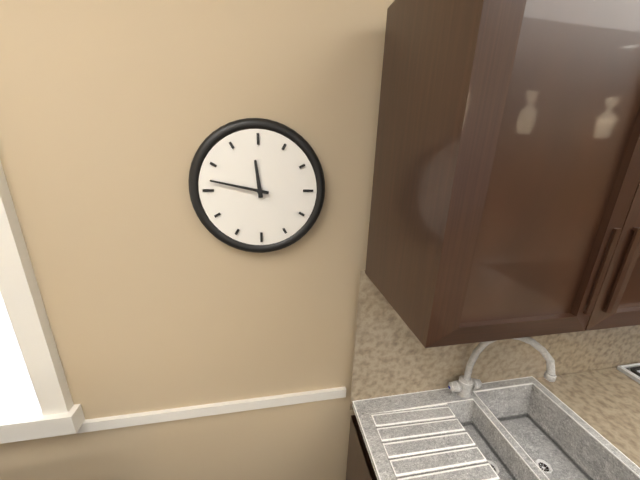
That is **11:47**
